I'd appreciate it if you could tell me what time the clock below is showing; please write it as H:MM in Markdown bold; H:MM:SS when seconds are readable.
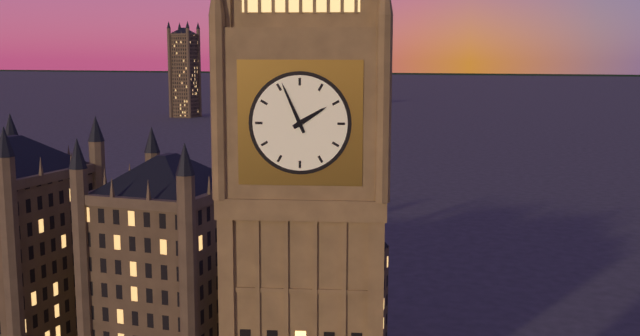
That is **1:56**
